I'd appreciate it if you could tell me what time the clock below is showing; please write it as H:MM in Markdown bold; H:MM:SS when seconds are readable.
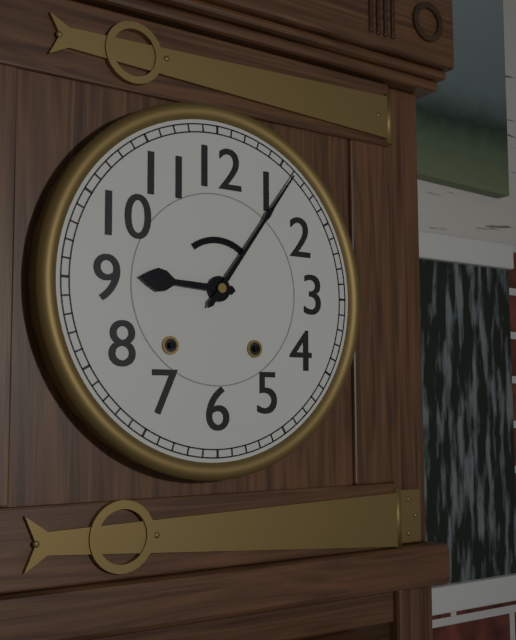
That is **9:06**
